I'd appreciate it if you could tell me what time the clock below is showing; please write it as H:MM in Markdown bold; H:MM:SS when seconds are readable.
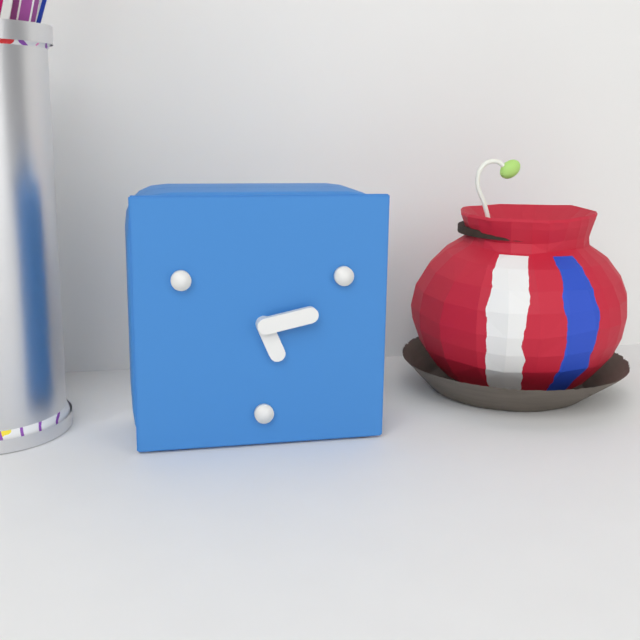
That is **5:13**
